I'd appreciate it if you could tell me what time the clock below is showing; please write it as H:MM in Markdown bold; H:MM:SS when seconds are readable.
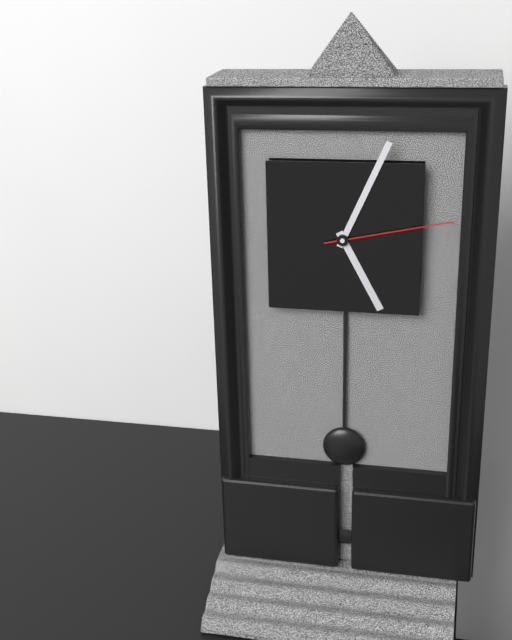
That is **5:04:13**
